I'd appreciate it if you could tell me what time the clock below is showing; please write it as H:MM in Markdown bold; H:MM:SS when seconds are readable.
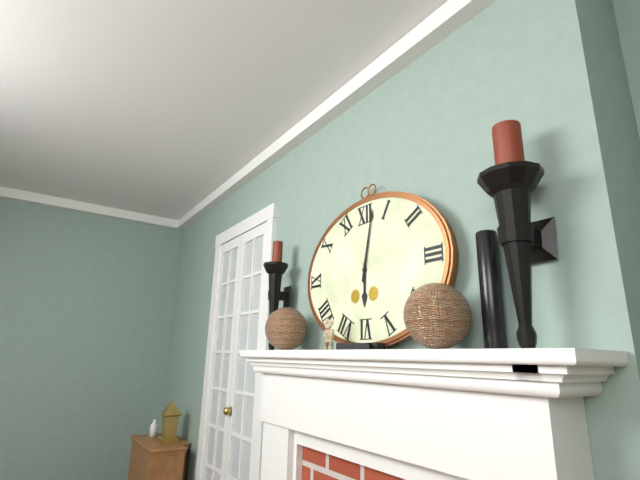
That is **6:02**
